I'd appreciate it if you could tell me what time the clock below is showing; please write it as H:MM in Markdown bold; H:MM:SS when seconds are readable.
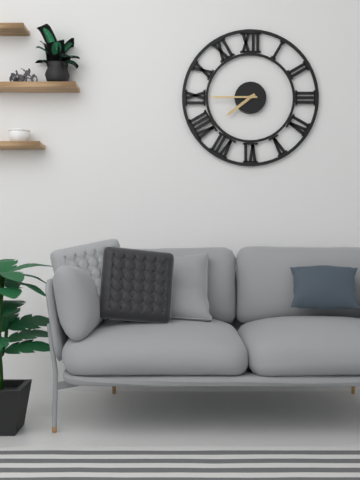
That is **7:45**
